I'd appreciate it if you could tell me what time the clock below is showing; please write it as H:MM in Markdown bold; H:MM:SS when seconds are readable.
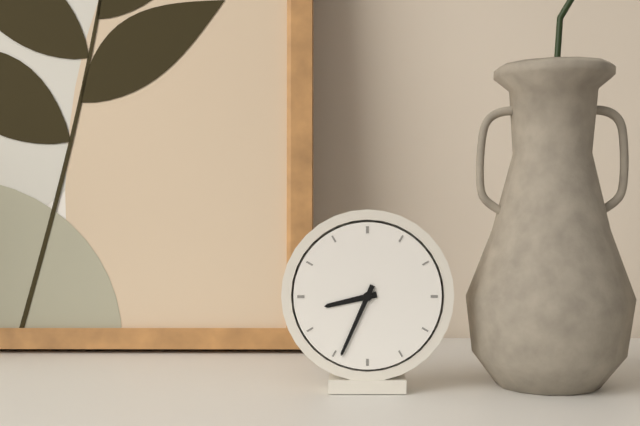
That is **8:34**
